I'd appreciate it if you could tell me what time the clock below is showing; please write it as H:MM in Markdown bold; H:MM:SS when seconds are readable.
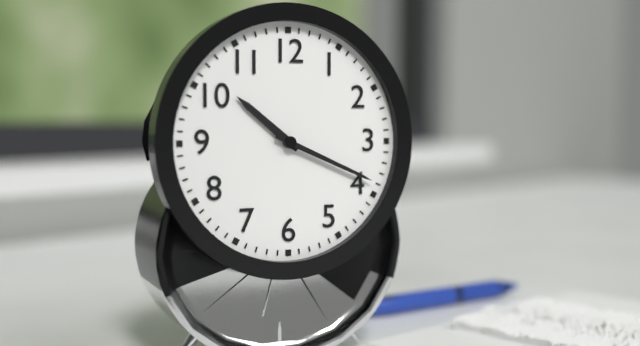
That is **10:19**
